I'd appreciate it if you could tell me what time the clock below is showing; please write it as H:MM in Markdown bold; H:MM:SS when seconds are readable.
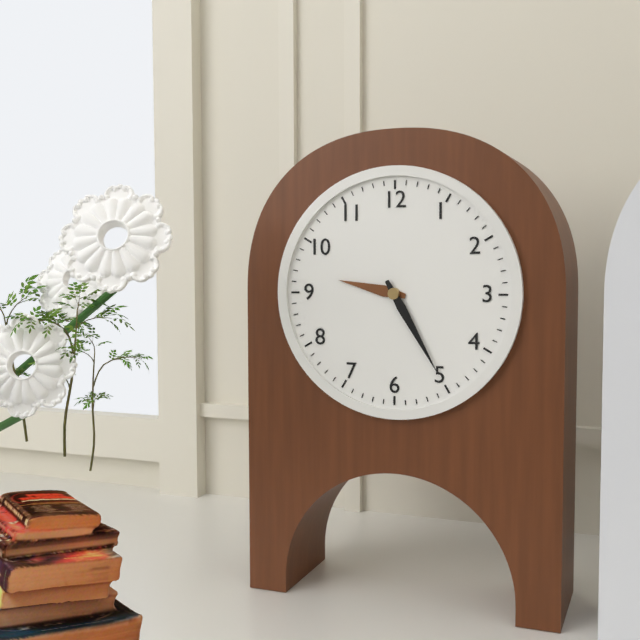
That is **9:25**
